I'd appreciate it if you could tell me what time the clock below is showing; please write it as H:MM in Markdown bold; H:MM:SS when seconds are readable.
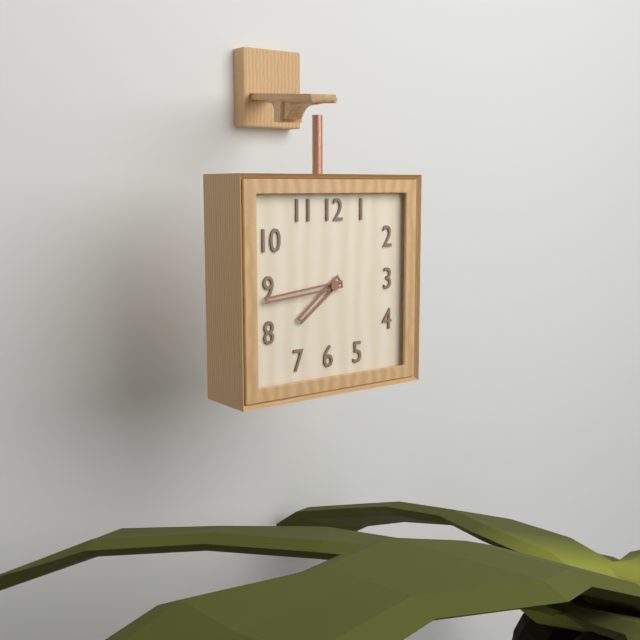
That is **7:44**
